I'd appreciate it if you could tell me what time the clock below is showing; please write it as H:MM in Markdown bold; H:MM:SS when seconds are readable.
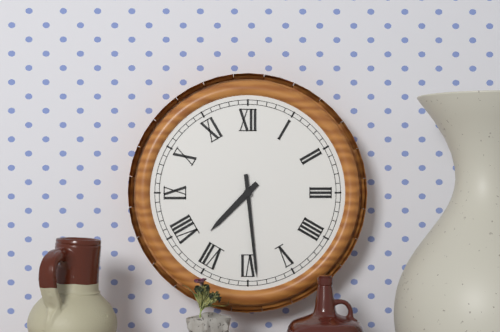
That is **7:29**
